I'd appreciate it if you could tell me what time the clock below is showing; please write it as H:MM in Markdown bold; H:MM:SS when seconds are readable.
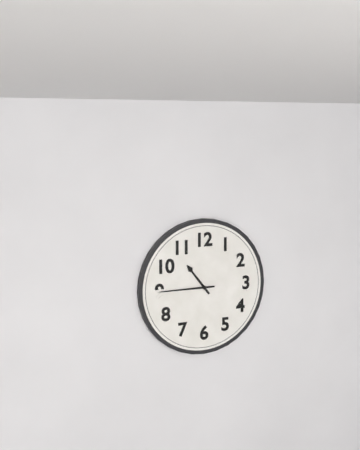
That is **10:45**
